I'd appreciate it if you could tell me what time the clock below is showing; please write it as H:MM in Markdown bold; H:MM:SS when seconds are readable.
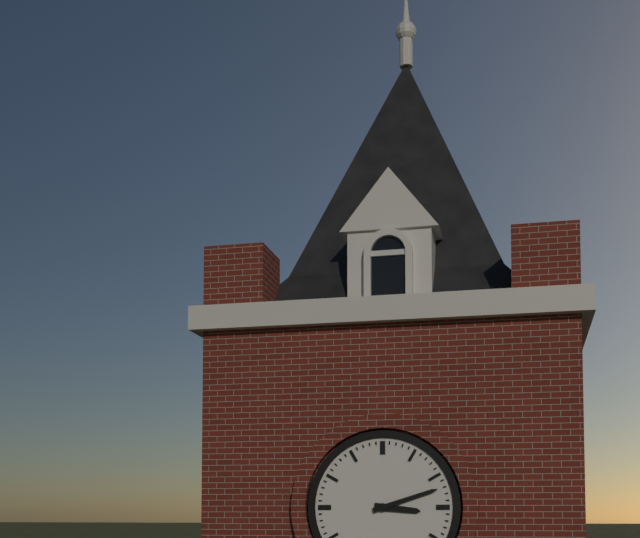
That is **3:12**
